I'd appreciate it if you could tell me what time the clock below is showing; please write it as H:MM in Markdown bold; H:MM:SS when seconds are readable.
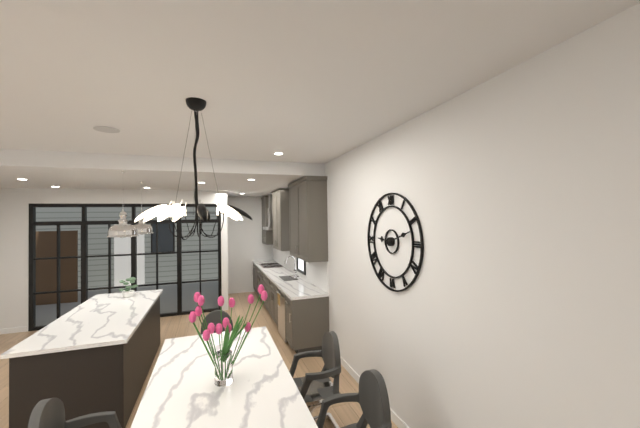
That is **9:12**
